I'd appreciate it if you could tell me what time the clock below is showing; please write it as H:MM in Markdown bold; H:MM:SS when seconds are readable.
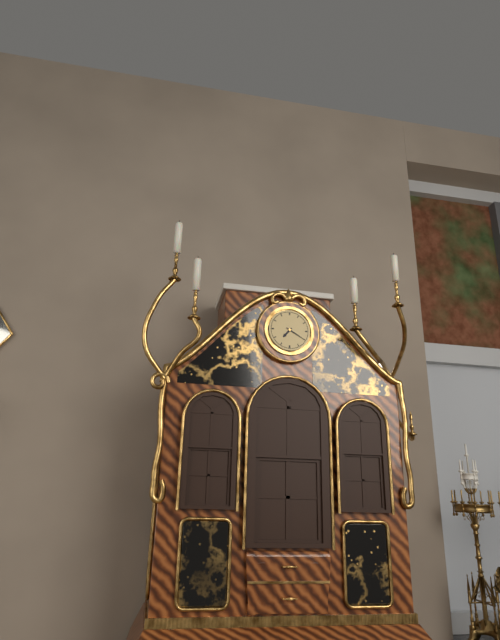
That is **7:20**
